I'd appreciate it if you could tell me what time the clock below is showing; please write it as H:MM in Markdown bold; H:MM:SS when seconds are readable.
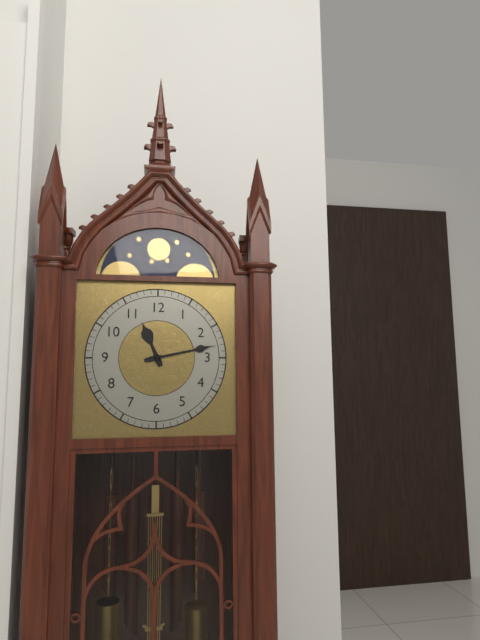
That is **11:13**
